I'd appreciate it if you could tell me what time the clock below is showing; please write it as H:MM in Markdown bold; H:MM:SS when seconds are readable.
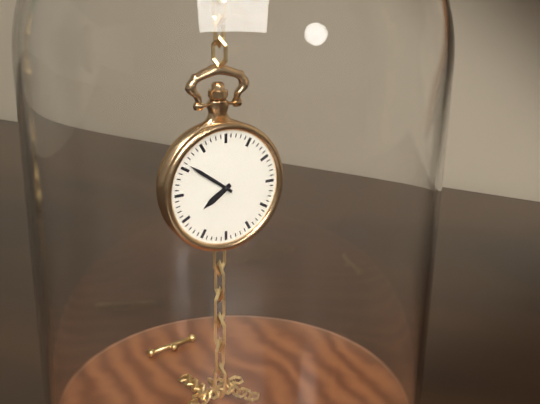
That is **7:51**
